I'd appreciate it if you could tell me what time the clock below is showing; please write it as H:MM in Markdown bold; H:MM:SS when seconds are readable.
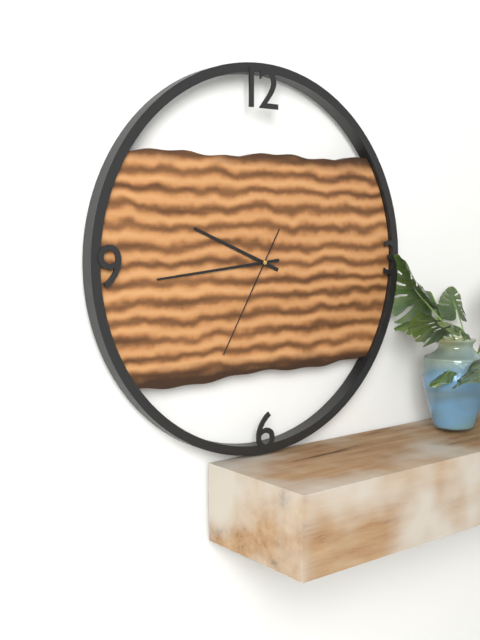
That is **9:44:35**
